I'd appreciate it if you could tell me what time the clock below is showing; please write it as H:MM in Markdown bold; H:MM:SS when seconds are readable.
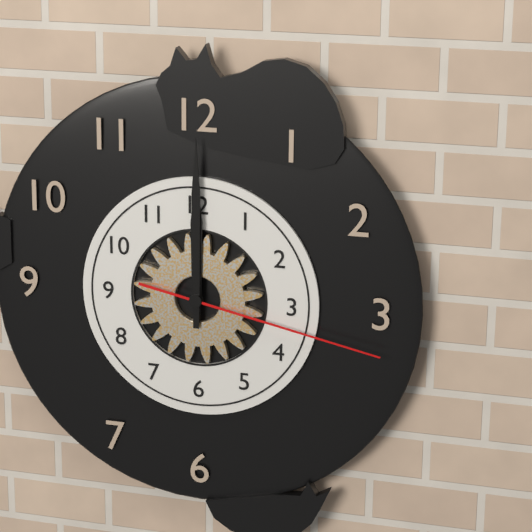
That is **12:00:17**
